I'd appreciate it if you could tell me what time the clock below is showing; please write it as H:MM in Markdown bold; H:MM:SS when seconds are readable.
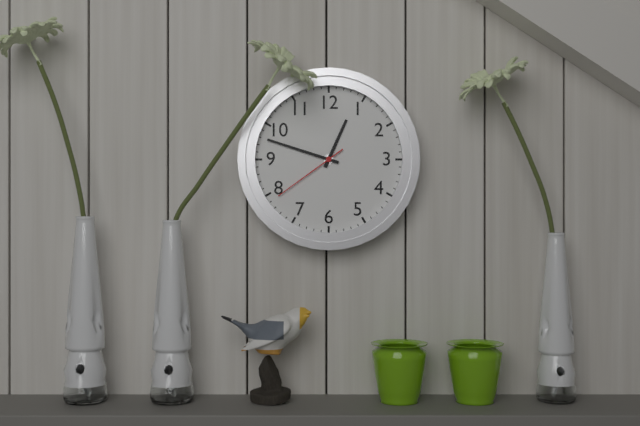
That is **12:48:39**
